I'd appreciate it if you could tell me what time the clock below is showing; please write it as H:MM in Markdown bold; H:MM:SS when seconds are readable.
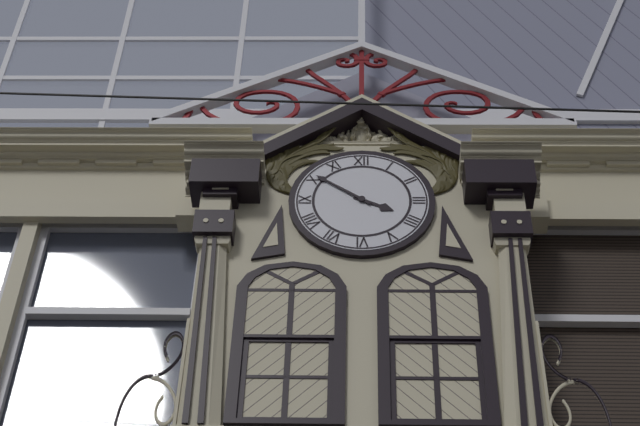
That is **3:51**
